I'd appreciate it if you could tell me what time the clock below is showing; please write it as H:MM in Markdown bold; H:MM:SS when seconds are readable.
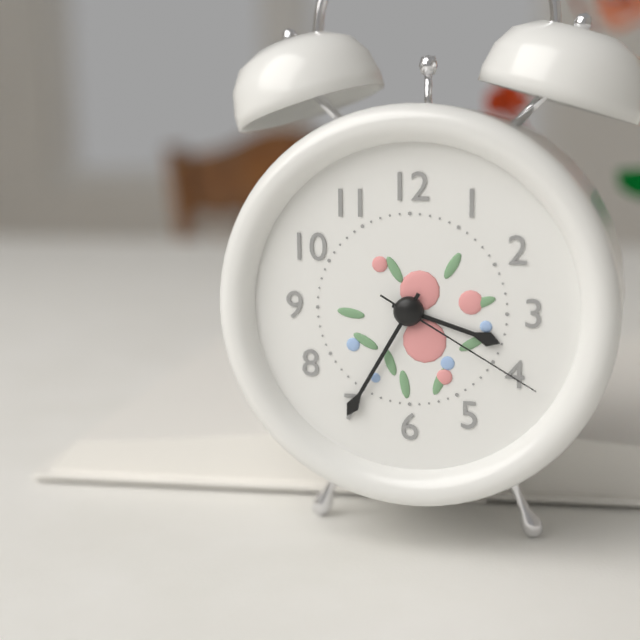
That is **3:35:20**
